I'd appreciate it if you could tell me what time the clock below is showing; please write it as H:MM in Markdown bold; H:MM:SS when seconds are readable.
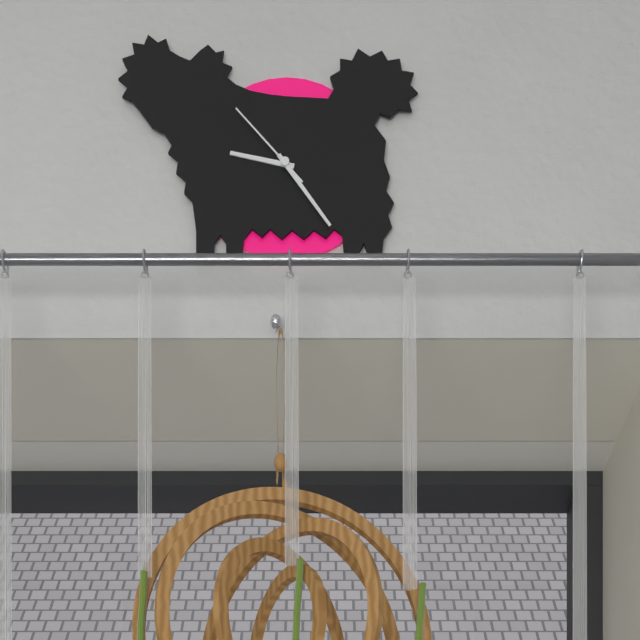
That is **9:24:53**
